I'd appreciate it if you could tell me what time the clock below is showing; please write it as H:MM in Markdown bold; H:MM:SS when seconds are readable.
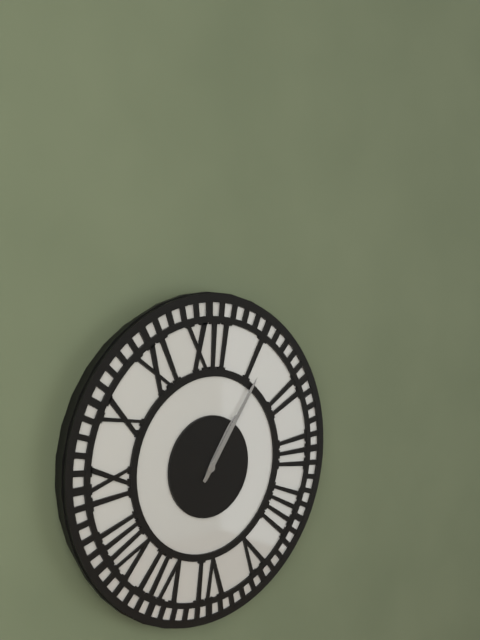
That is **1:06**
